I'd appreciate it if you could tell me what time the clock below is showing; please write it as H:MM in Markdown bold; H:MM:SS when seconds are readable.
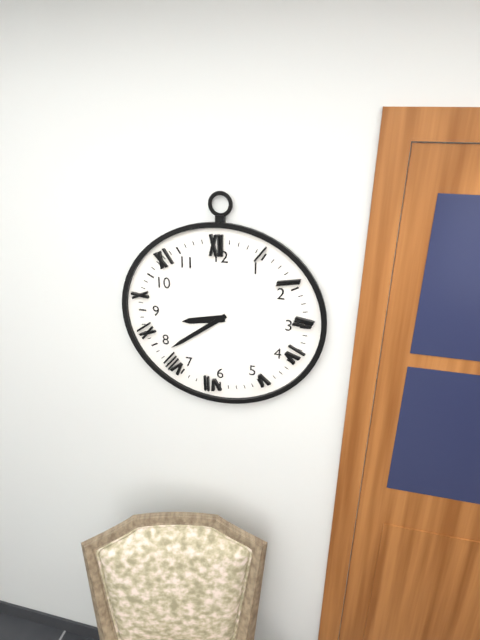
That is **8:39**
